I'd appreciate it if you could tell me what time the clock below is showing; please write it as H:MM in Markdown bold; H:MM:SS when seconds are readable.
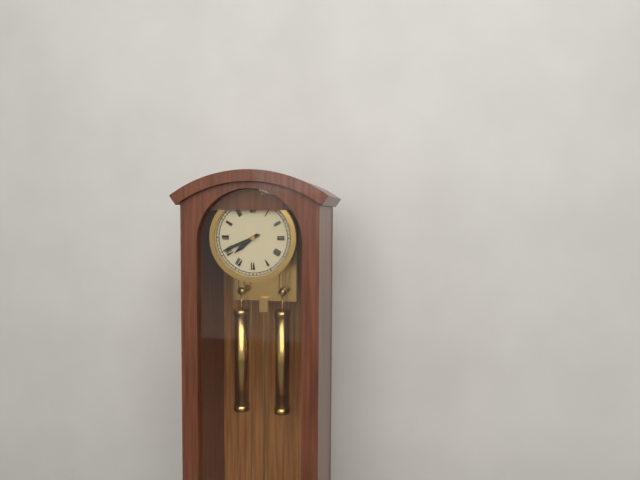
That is **7:41**
